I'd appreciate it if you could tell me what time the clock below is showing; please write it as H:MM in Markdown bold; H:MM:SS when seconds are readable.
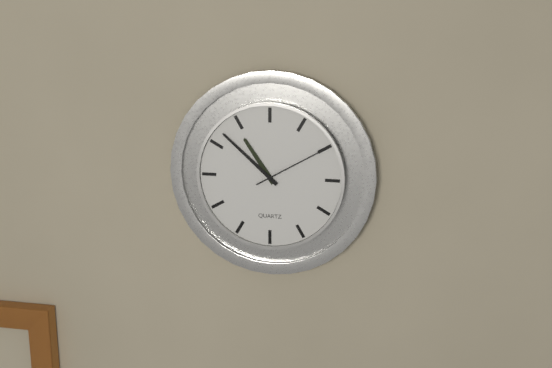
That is **10:52:10**
